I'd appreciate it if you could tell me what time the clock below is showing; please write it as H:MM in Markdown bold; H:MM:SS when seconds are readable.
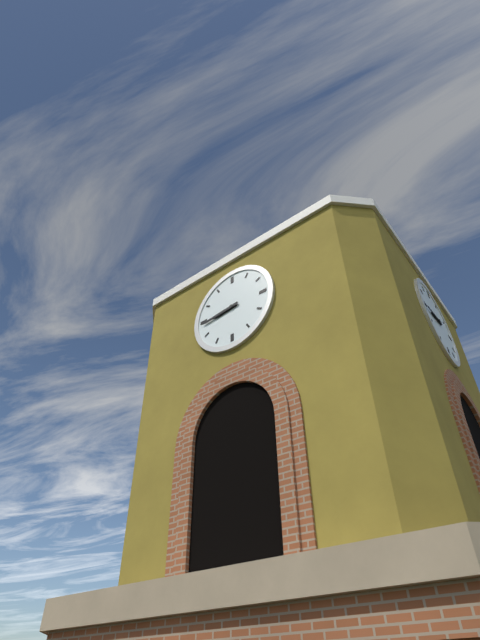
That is **8:44**
